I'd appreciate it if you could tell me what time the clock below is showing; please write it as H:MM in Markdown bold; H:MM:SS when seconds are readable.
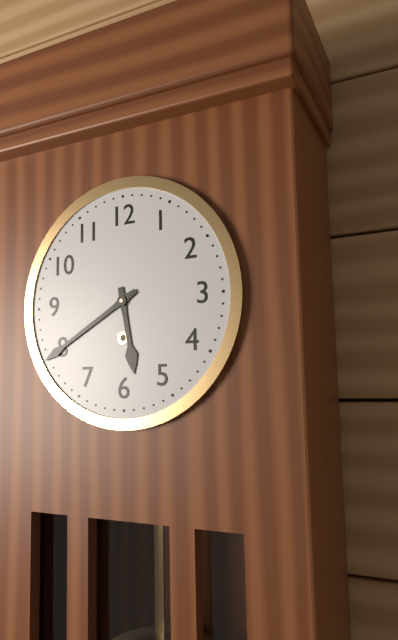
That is **5:40**
